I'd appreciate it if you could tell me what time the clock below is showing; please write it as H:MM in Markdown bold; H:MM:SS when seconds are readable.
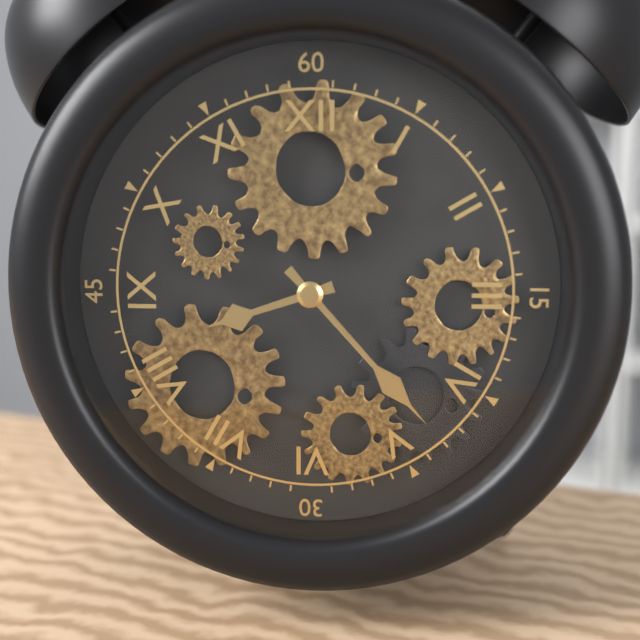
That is **8:23**
